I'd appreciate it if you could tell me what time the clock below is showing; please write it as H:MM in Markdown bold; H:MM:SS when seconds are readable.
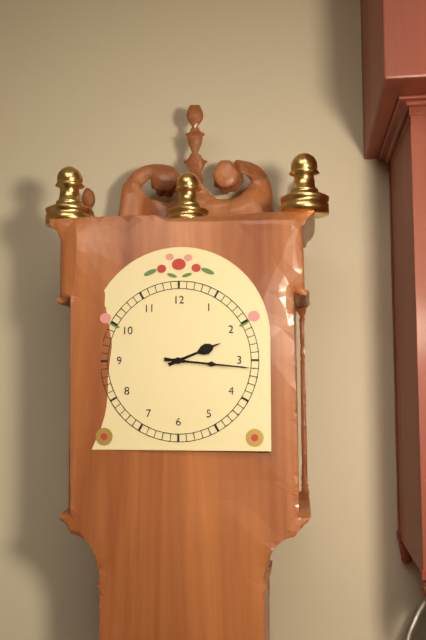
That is **2:16**
